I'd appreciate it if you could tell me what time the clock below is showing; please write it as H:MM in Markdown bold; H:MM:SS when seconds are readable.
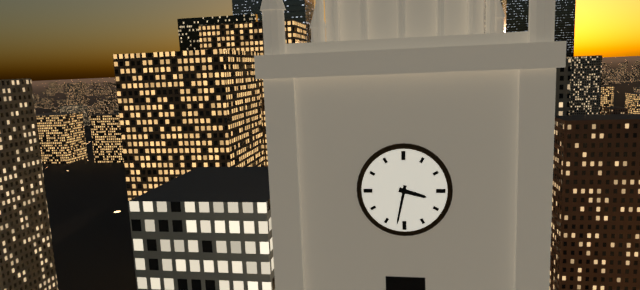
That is **3:32**
